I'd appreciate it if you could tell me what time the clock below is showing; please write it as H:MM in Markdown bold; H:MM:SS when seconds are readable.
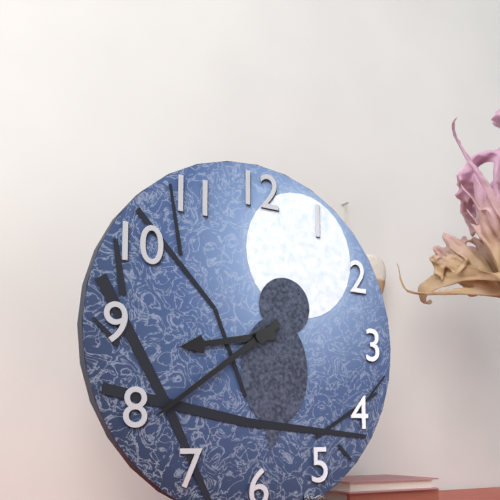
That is **8:39**
